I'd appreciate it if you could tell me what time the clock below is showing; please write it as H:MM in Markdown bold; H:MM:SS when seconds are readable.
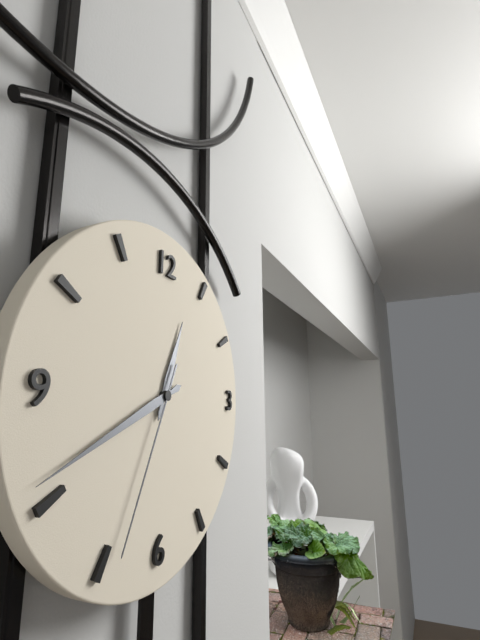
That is **12:41:34**
